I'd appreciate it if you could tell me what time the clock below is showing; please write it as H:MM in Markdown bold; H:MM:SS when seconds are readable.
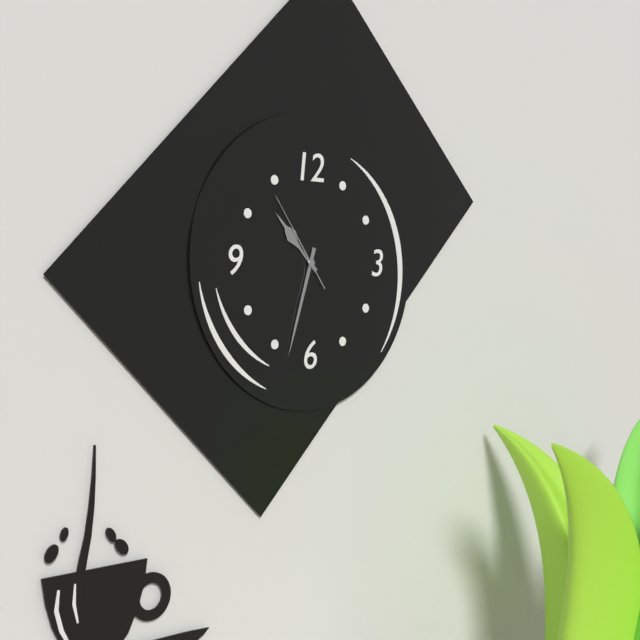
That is **10:33:54**
